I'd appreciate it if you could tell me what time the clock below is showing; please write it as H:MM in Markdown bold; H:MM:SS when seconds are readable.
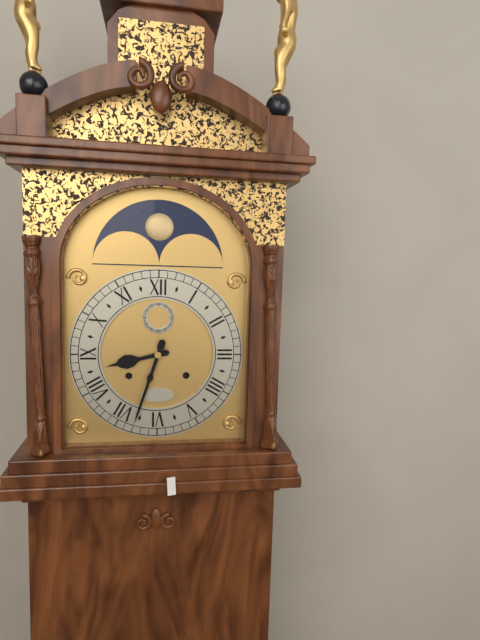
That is **8:33**
